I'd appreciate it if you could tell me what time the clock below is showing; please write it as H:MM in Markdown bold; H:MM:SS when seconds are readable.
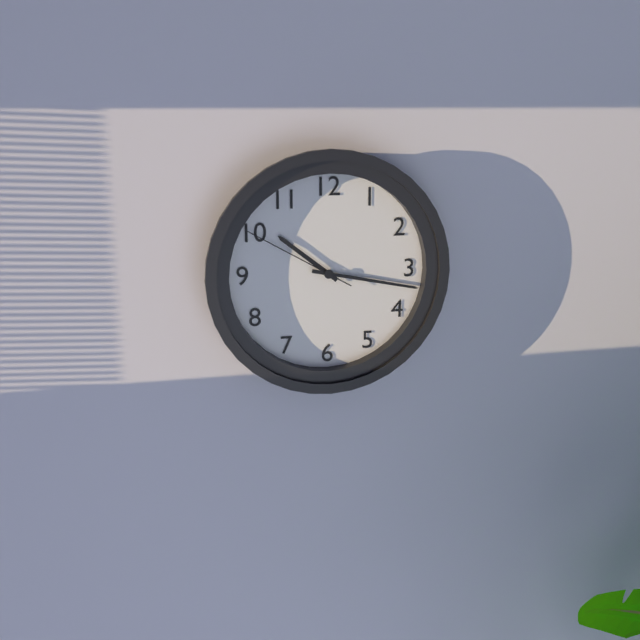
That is **10:17:50**
